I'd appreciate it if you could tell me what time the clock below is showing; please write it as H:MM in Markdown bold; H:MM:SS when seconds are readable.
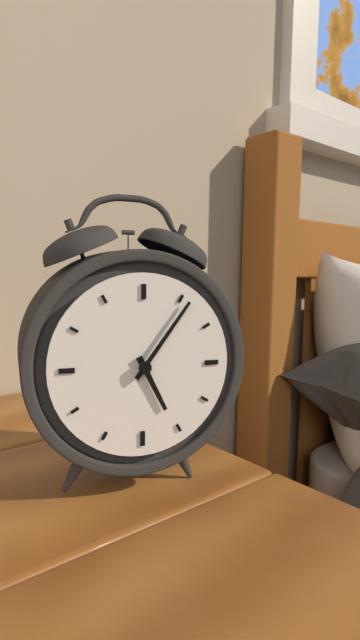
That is **5:06**
